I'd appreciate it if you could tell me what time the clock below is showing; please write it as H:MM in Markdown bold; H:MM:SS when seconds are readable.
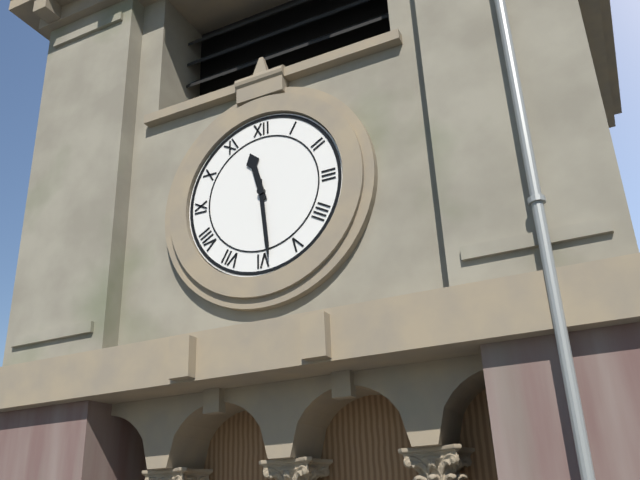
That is **11:29**
